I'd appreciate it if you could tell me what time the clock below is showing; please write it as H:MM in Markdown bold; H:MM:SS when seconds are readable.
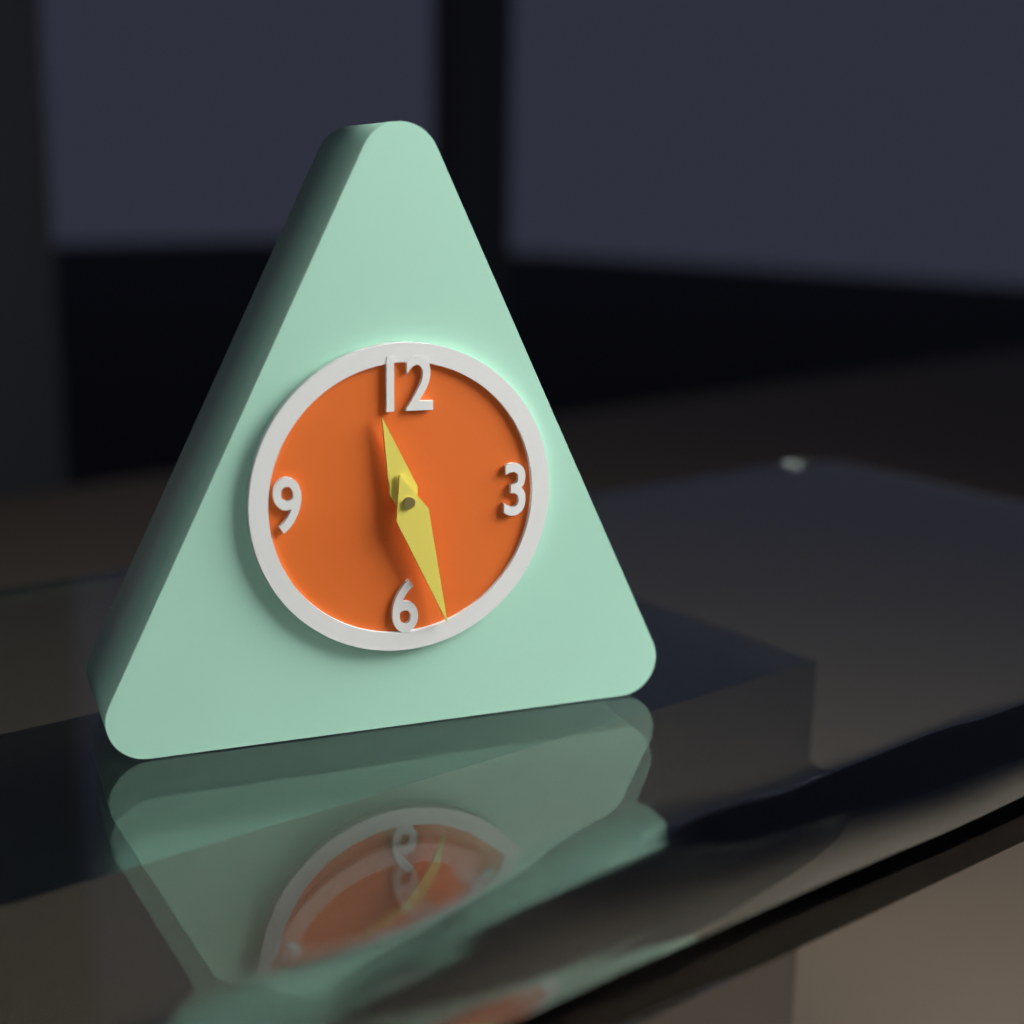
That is **11:27**
